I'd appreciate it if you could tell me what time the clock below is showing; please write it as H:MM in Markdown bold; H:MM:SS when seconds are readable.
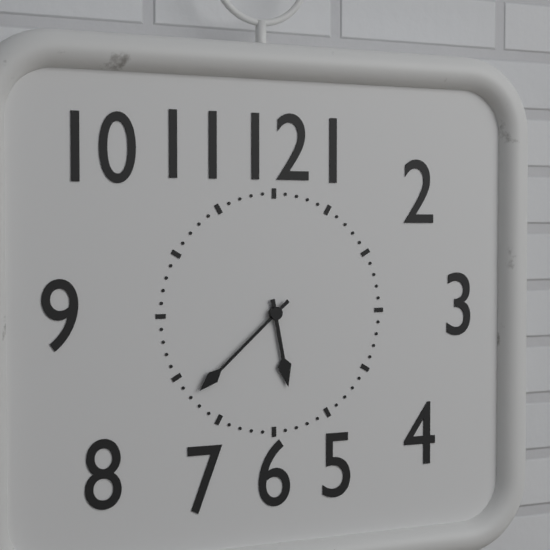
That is **5:38**
